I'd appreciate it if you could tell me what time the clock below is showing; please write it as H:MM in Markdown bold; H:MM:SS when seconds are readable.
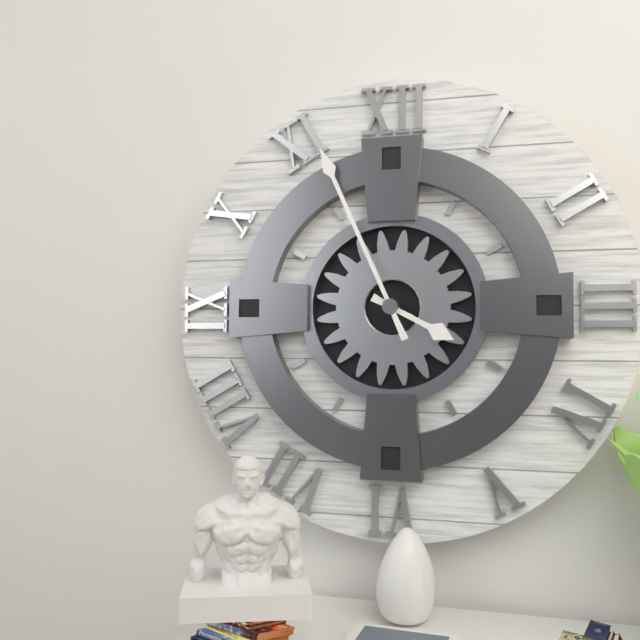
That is **3:56**
